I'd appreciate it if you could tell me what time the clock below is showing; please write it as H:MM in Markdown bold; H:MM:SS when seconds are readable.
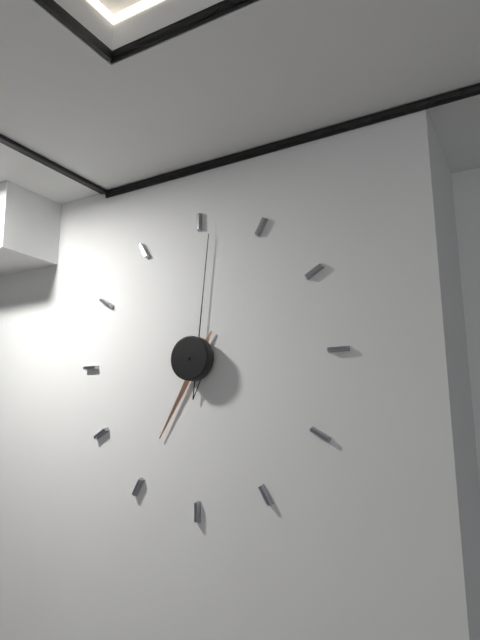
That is **7:01**
